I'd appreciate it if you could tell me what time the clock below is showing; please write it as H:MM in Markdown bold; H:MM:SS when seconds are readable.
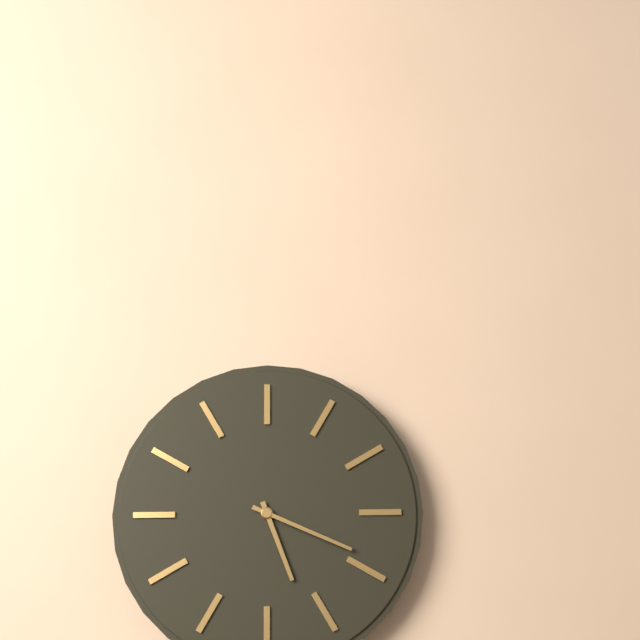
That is **5:19**
